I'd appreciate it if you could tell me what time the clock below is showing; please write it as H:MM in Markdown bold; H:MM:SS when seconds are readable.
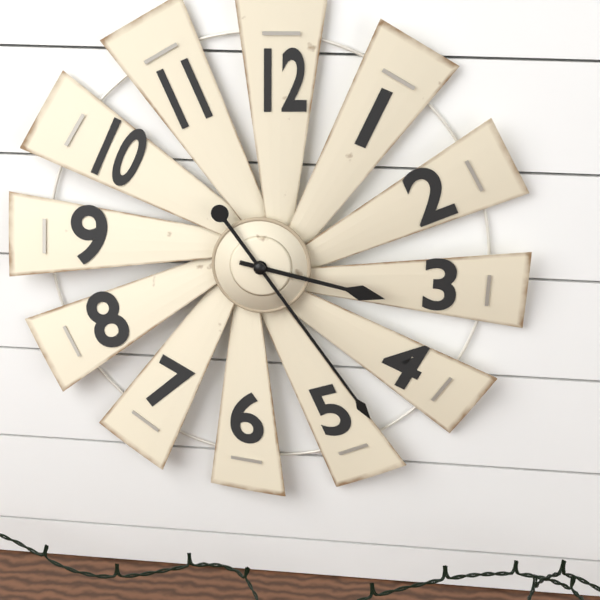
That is **3:24**
